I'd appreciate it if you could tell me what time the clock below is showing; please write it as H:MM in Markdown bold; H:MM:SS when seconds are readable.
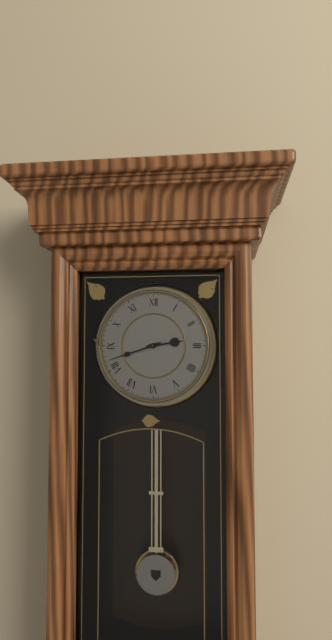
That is **2:42**
